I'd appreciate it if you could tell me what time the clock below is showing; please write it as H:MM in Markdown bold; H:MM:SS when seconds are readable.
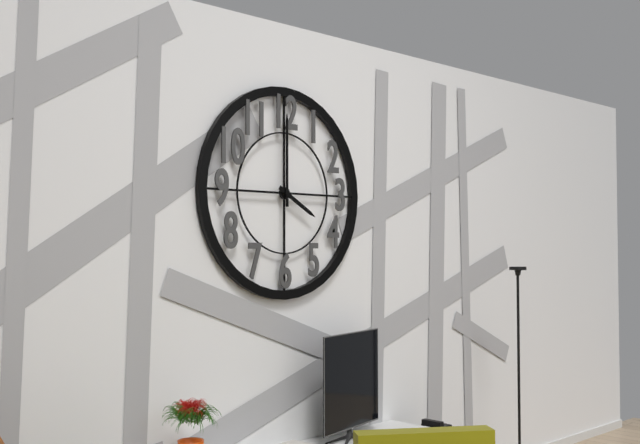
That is **4:00**
